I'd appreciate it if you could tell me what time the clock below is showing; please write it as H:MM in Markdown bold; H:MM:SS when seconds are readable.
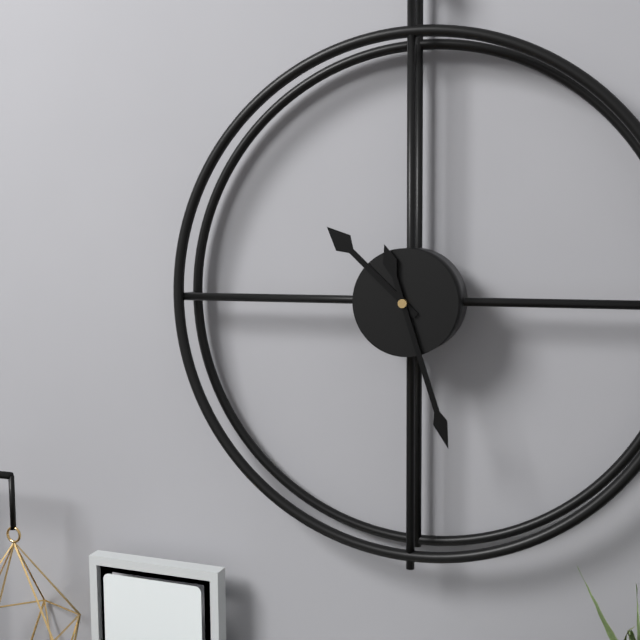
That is **10:27**
